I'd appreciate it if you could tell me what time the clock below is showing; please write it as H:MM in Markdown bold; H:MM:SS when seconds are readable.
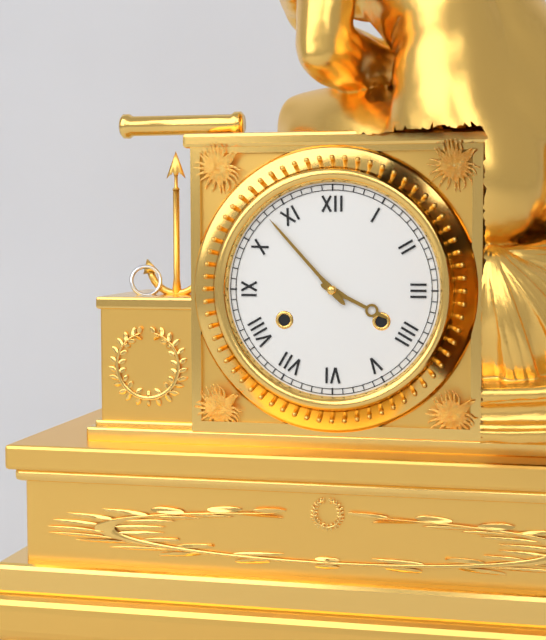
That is **3:53**
